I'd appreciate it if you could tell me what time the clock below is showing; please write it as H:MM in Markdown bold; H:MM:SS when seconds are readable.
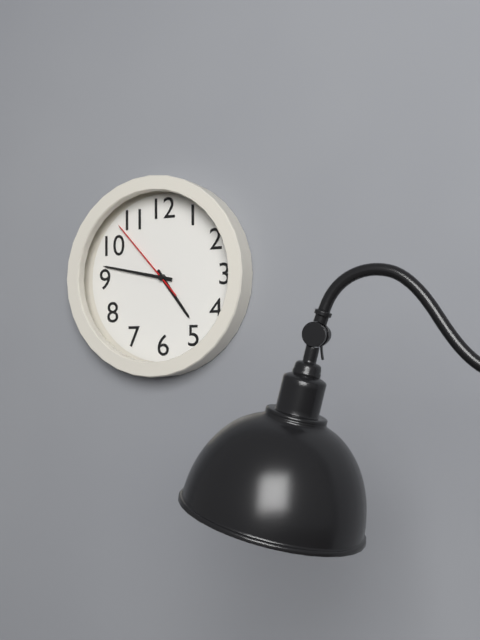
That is **4:47:53**
